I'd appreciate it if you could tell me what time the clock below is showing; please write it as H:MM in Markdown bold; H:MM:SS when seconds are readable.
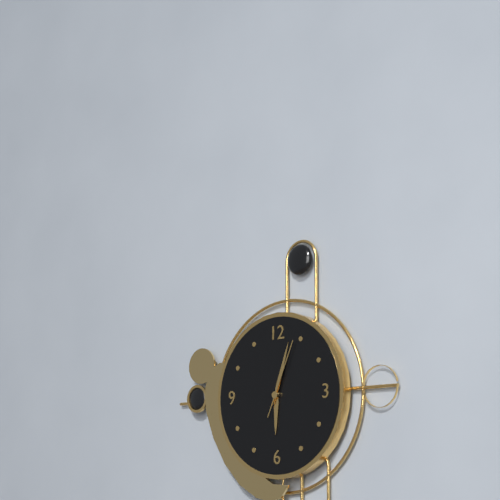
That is **6:03:04**
